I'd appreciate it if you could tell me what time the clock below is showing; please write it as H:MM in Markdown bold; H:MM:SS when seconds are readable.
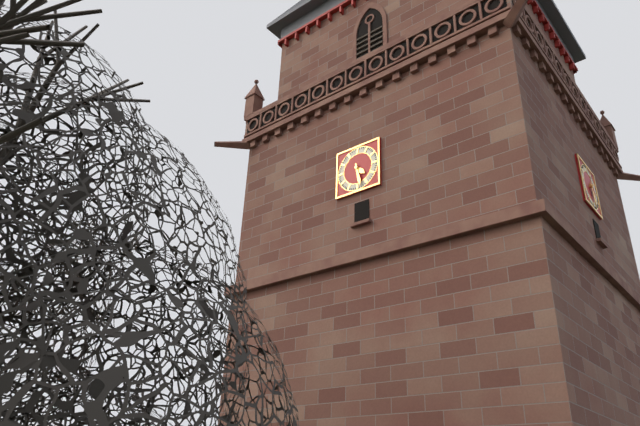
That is **4:28**
